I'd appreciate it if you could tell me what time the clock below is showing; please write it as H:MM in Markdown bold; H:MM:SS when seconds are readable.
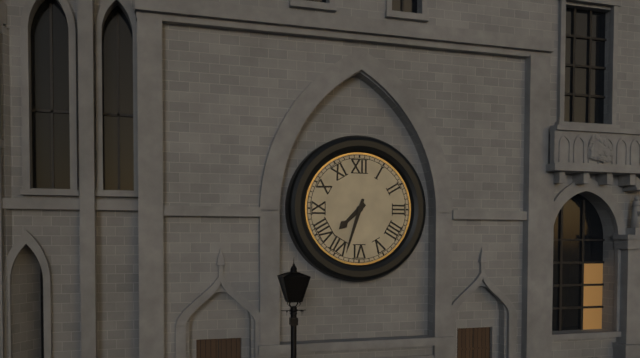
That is **7:33**
